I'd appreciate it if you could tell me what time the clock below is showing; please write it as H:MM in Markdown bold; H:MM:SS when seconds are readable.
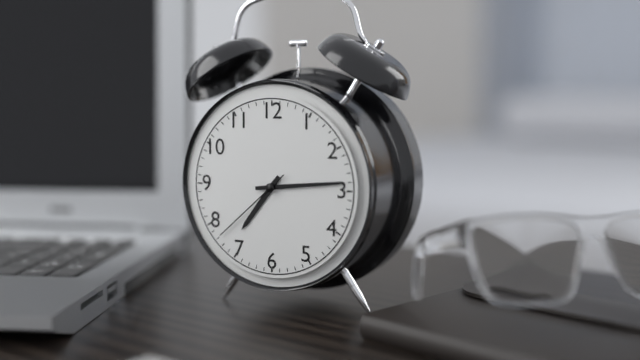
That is **7:14:38**
